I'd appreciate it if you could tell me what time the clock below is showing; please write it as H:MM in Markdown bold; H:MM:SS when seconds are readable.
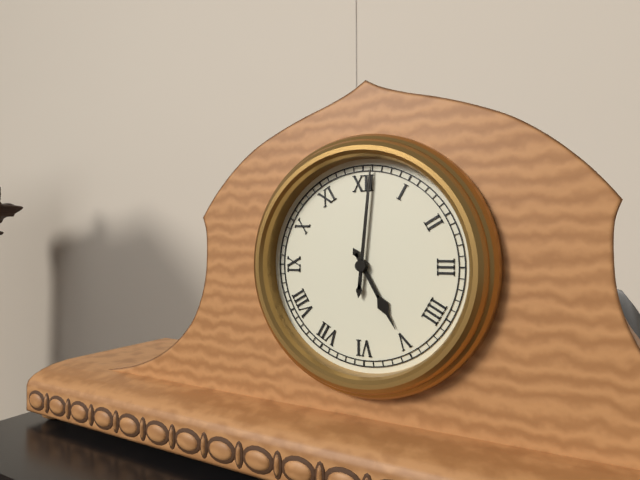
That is **5:01**
